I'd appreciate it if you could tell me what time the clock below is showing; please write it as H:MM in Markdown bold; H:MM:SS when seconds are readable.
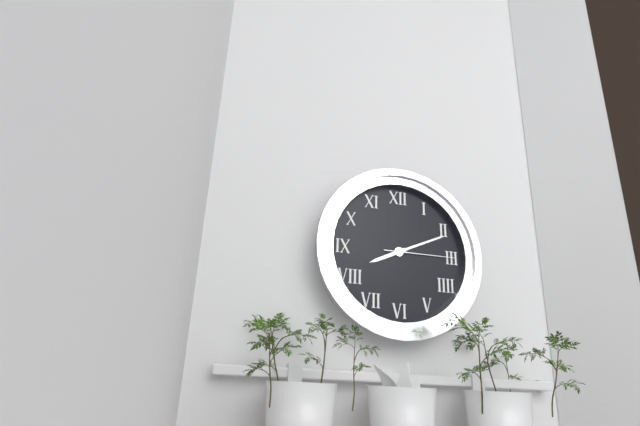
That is **8:11:15**
